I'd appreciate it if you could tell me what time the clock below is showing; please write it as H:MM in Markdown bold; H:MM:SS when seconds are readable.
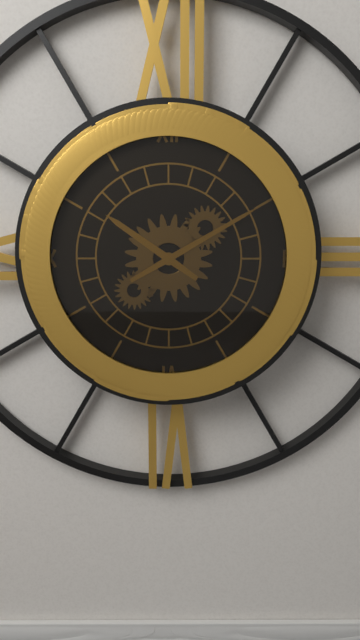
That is **10:10**
